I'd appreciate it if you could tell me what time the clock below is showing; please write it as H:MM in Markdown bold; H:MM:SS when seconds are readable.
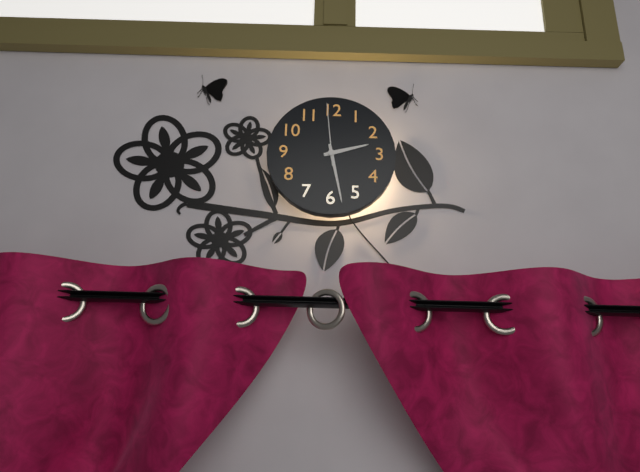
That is **2:28:59**
